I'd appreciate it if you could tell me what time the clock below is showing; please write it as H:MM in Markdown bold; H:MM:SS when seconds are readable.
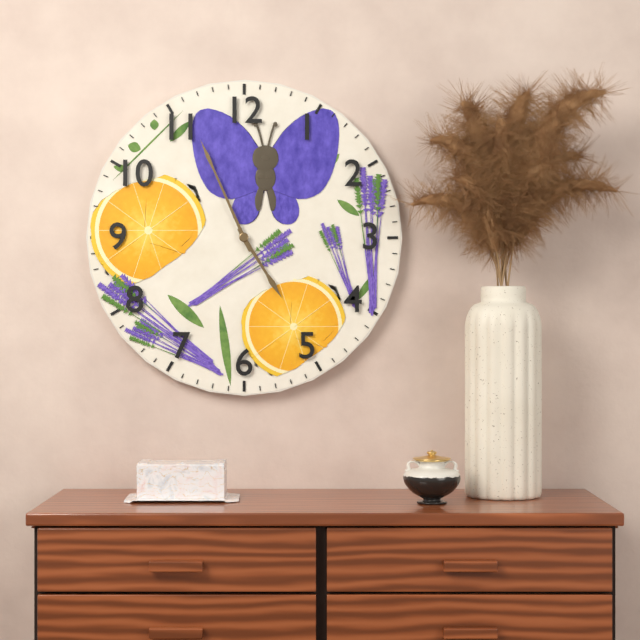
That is **4:56**
